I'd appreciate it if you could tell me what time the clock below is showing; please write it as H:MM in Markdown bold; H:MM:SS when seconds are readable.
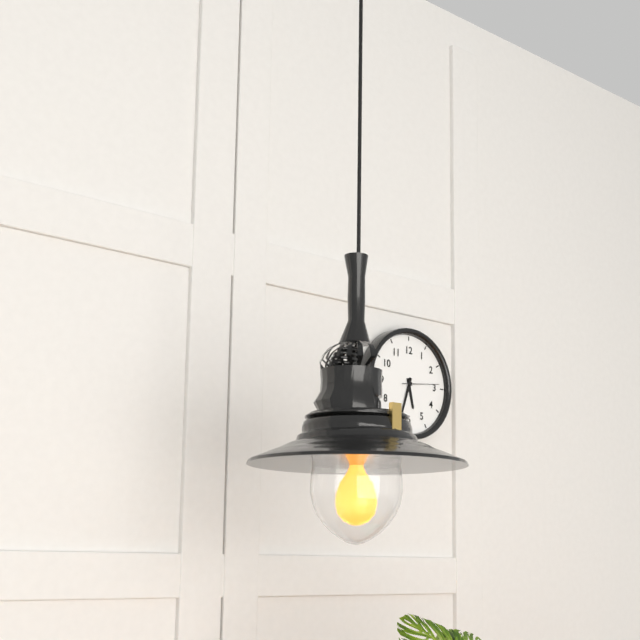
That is **5:33**
